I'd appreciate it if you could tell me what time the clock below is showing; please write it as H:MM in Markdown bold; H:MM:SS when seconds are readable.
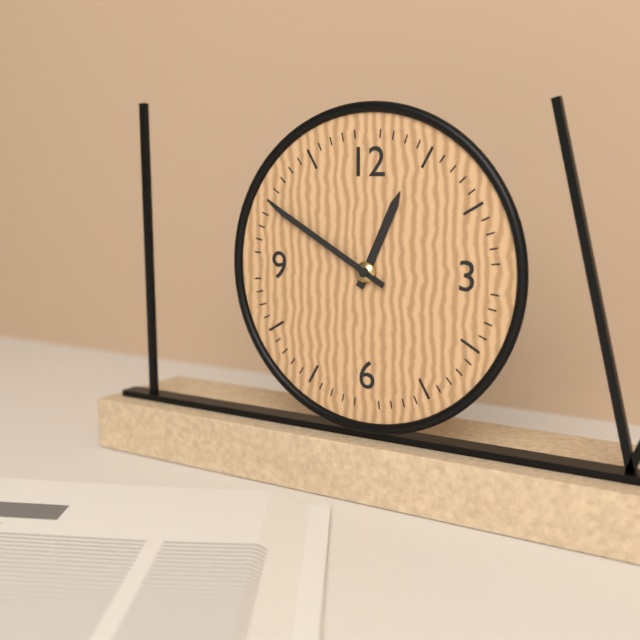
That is **12:50**
